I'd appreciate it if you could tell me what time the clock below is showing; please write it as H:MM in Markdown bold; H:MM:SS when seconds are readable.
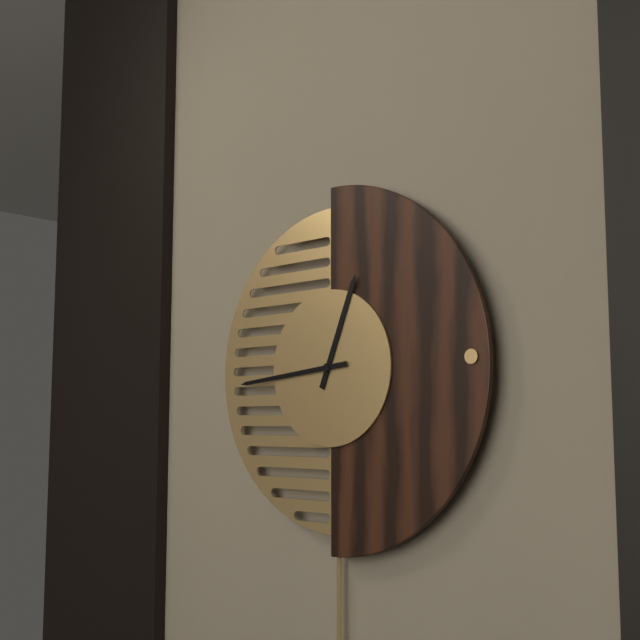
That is **12:44**
